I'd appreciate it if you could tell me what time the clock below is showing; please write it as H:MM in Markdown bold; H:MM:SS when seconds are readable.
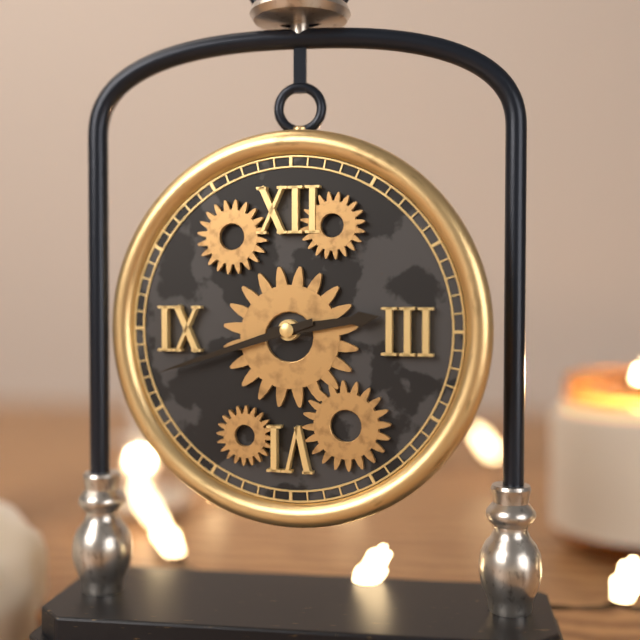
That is **2:42**
